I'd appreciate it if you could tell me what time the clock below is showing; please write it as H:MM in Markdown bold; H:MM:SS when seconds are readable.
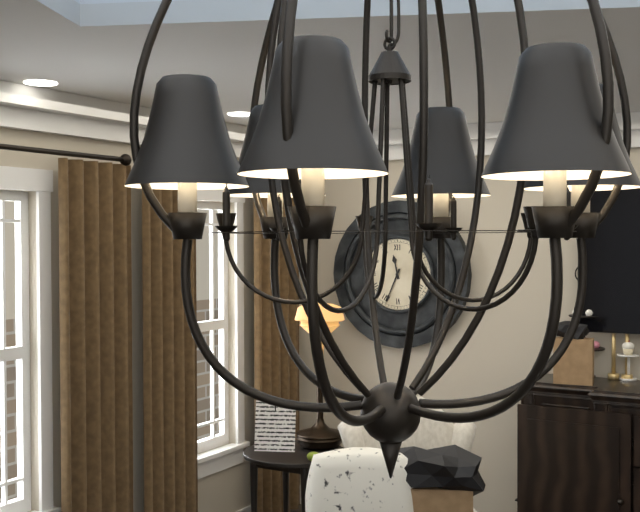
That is **11:34**
